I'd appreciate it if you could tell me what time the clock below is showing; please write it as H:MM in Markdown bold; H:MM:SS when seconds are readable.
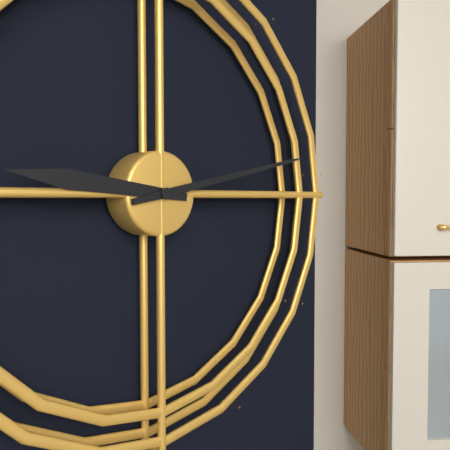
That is **9:13**
